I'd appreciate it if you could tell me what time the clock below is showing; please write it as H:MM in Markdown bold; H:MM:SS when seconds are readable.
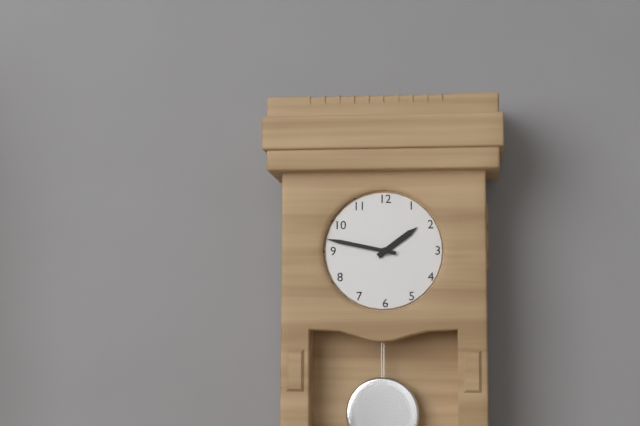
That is **1:47**
